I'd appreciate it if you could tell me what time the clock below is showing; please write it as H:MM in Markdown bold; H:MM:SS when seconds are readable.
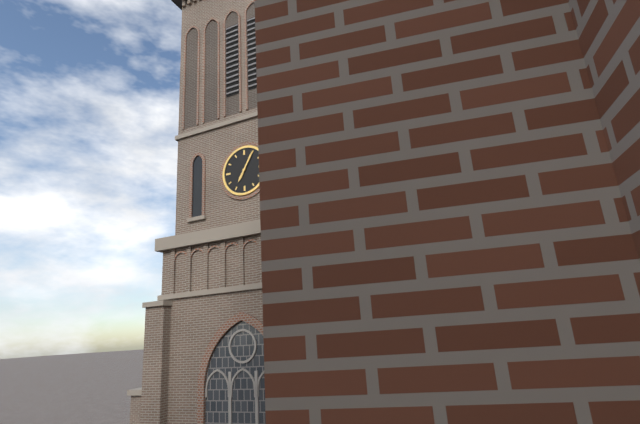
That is **7:05**
